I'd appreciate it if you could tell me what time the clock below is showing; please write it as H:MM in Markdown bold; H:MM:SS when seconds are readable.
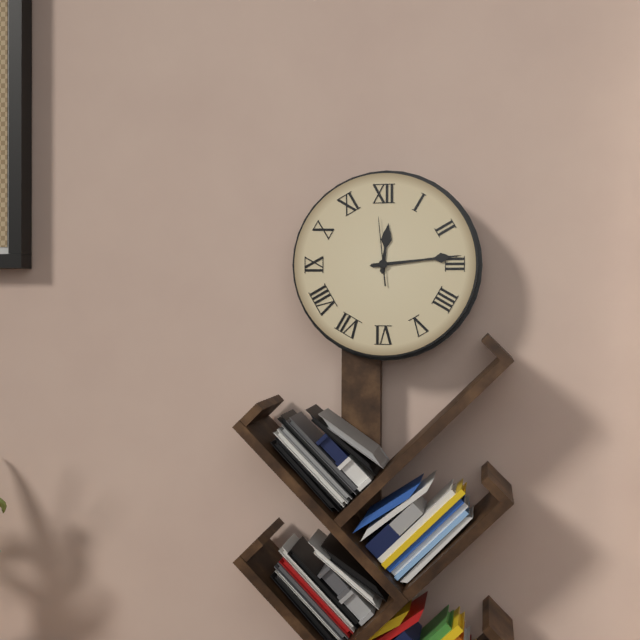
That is **12:14:59**
